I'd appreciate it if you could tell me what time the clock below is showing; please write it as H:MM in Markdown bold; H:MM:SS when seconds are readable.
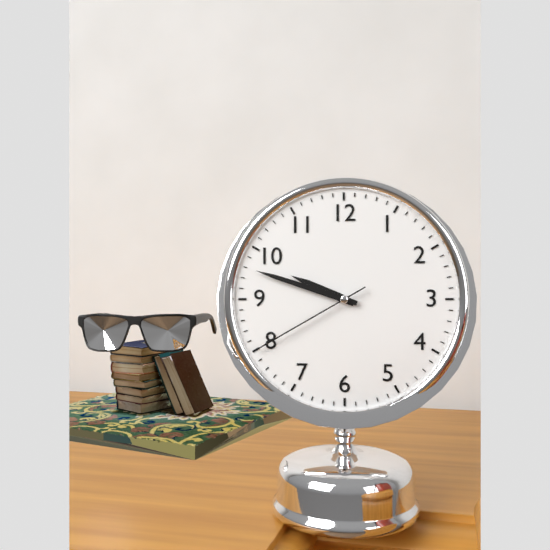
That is **9:48:40**
